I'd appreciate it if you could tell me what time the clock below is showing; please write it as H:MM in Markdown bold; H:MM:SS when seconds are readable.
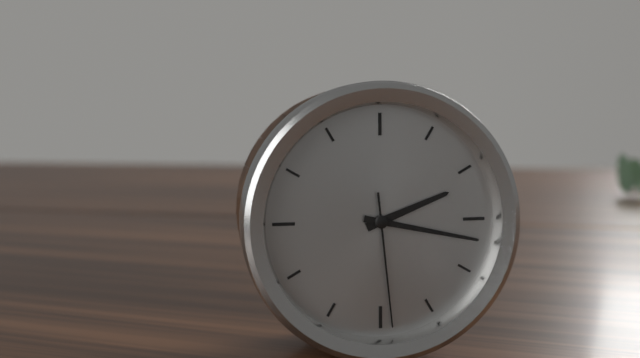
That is **2:17:29**
